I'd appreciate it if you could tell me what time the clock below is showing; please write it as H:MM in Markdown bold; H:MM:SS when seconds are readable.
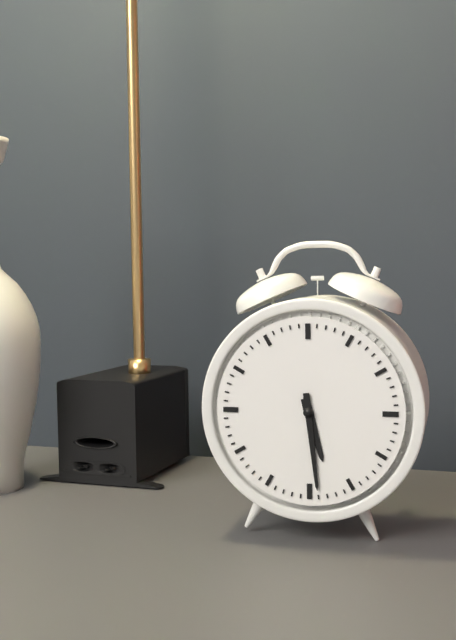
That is **5:29**
